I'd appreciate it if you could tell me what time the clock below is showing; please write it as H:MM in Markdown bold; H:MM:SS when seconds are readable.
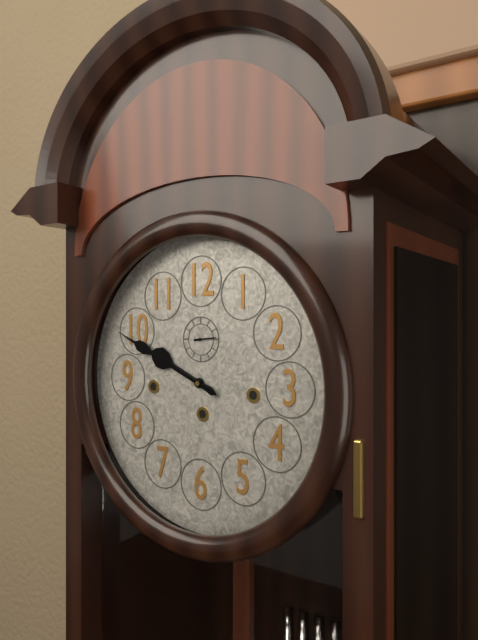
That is **9:49**
